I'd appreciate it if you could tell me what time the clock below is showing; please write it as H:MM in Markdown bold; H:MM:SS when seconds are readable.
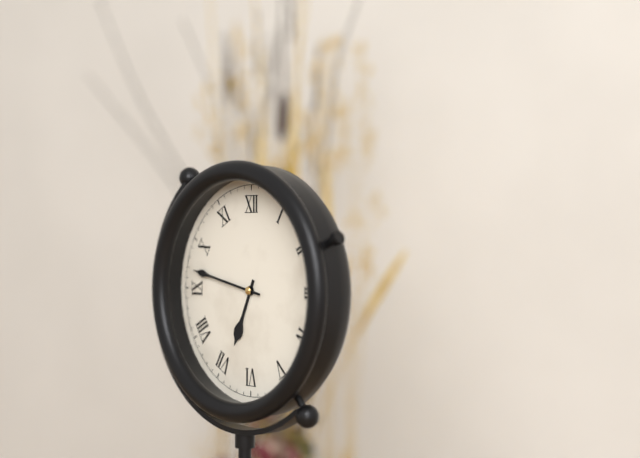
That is **6:47**
